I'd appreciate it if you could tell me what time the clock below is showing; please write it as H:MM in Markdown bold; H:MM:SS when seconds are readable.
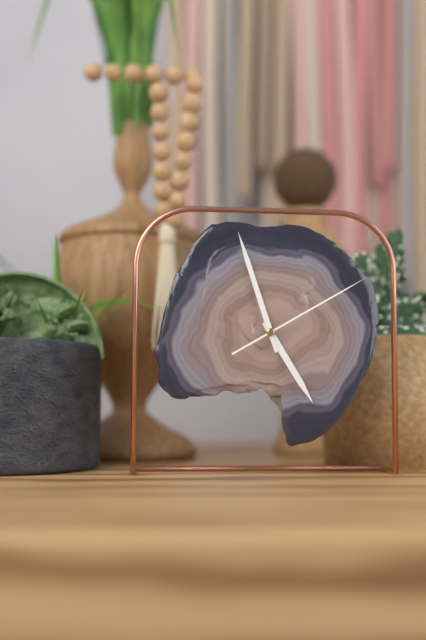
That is **4:57:10**
